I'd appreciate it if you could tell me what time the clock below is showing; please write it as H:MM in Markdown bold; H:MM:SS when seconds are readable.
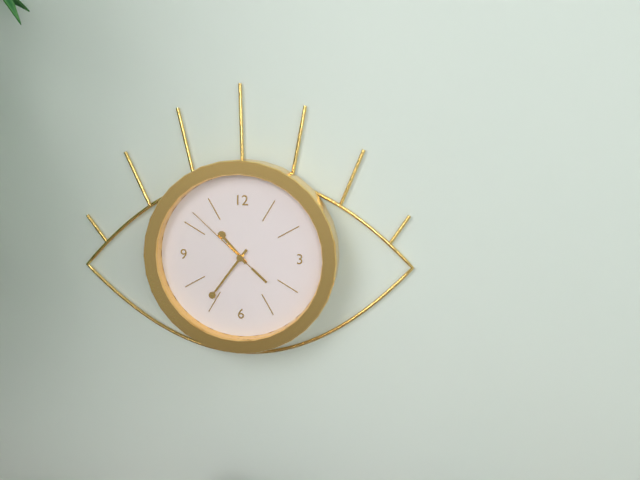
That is **10:36:52**
